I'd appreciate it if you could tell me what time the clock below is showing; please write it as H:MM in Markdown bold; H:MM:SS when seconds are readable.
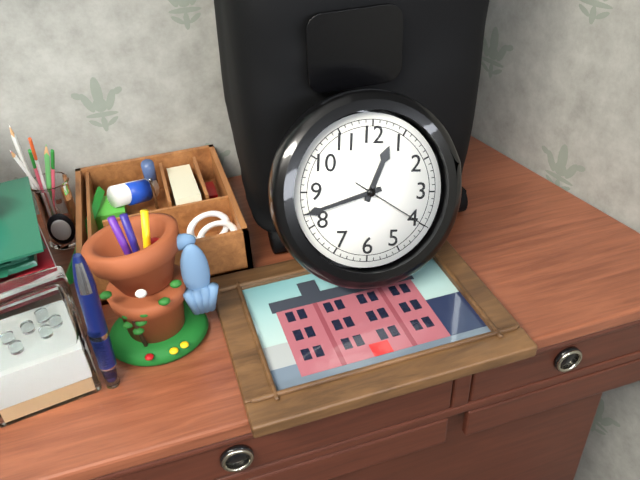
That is **12:42:20**
